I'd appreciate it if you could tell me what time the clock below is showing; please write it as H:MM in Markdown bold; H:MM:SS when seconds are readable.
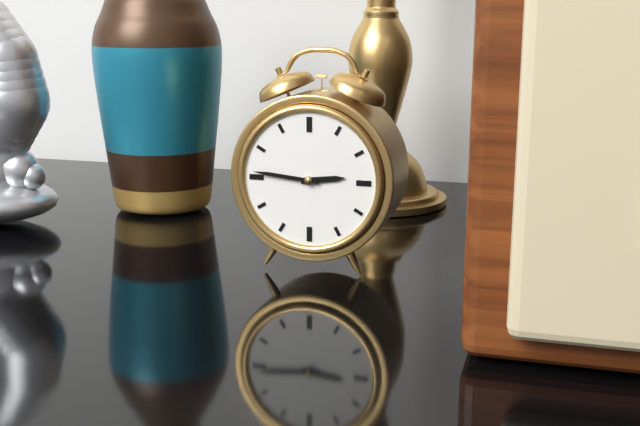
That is **2:46**
